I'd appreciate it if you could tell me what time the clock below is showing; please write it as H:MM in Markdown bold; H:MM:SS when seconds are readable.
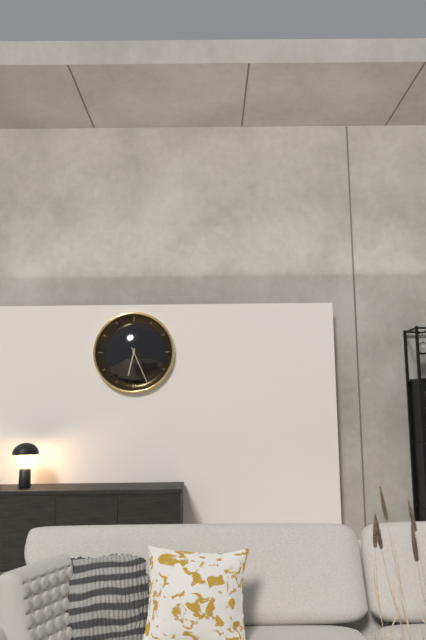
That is **6:26**
